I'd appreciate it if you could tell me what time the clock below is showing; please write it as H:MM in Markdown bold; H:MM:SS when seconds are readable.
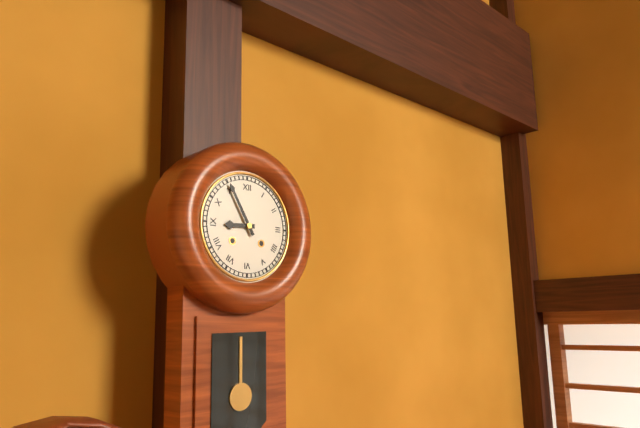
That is **8:55**
